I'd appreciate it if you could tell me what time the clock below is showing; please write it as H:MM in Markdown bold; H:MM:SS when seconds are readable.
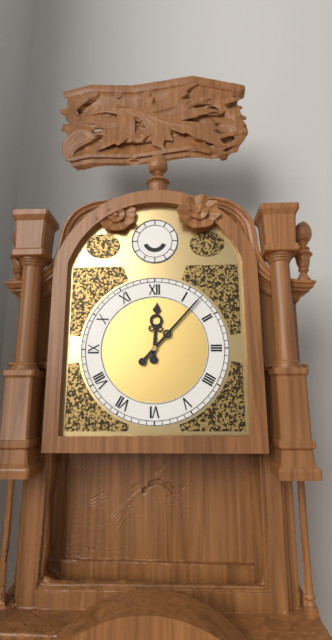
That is **12:07**
